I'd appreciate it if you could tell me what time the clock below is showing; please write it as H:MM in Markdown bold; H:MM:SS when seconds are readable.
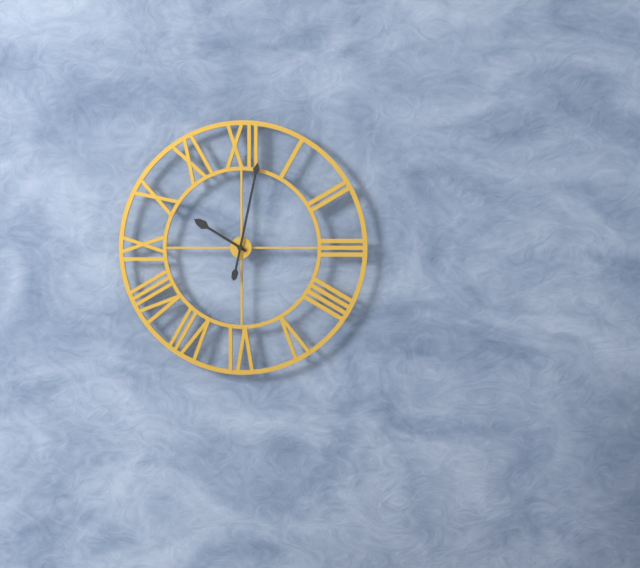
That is **10:02**
